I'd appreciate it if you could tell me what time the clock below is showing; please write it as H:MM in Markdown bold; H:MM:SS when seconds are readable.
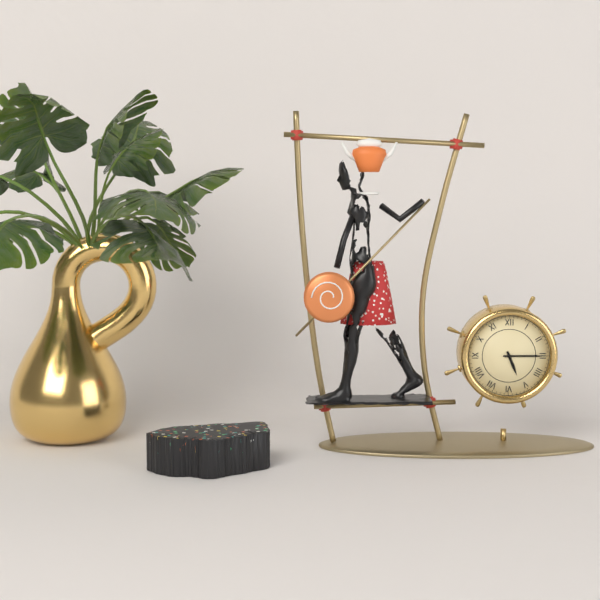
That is **5:15**
